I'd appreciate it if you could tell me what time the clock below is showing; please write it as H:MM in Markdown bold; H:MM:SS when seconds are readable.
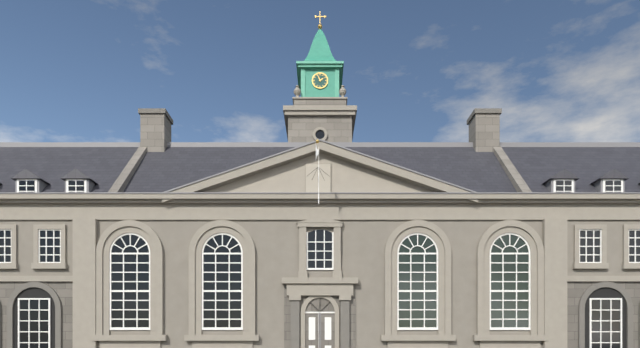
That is **1:56**
